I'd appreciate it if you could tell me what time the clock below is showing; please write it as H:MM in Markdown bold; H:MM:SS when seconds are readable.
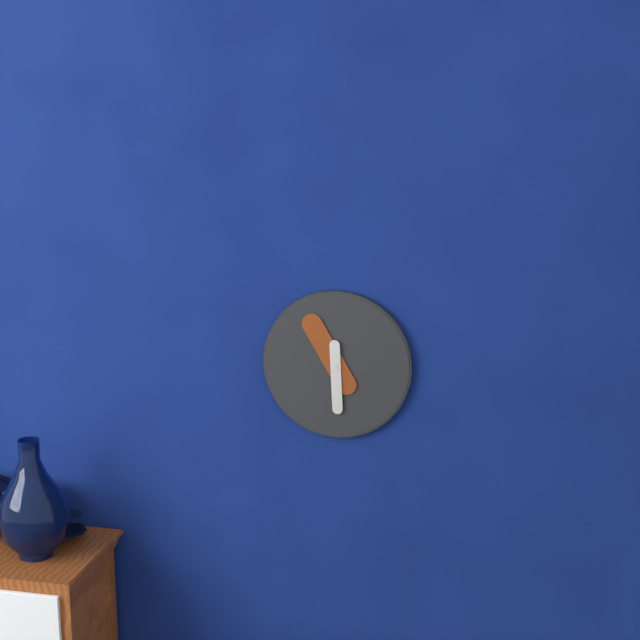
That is **5:55**
